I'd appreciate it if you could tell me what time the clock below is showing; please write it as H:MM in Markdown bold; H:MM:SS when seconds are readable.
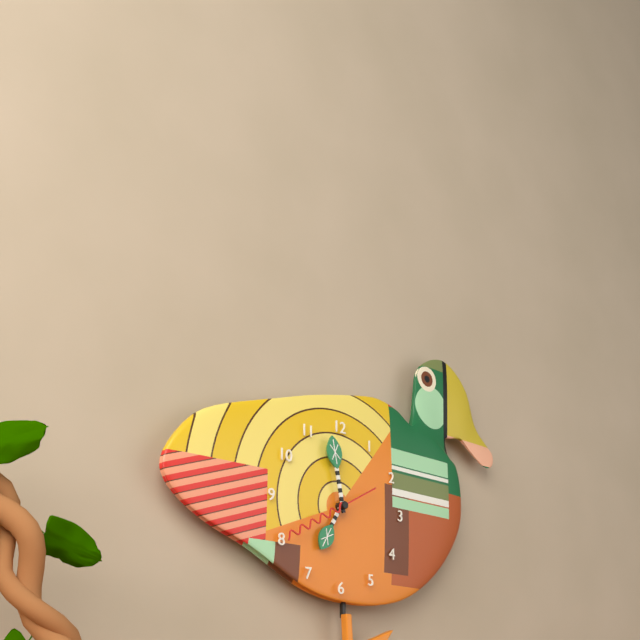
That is **6:58:40**
